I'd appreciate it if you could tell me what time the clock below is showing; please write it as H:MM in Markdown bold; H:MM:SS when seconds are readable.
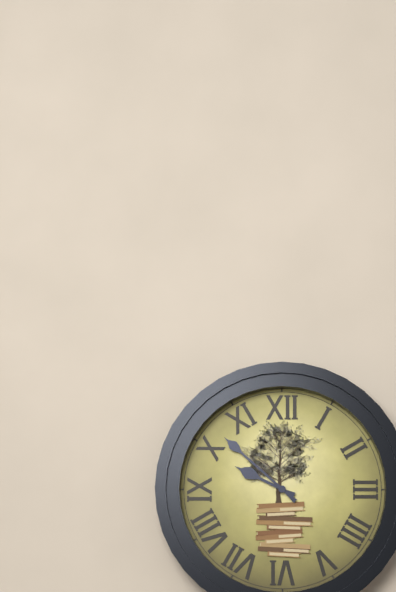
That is **9:52**
